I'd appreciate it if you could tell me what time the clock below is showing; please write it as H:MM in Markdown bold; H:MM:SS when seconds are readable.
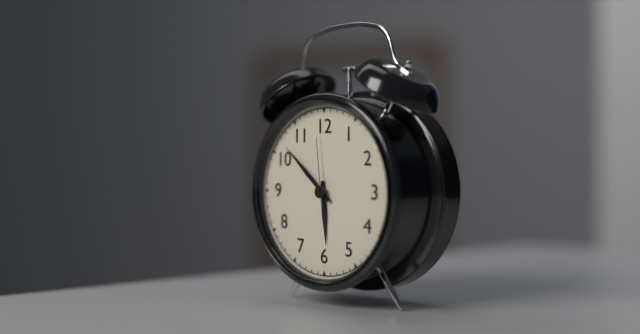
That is **5:52:59**
